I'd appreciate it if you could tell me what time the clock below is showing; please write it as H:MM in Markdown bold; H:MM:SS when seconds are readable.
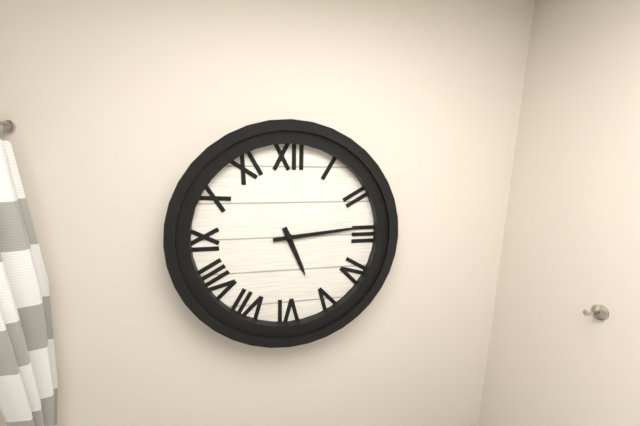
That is **5:14**
